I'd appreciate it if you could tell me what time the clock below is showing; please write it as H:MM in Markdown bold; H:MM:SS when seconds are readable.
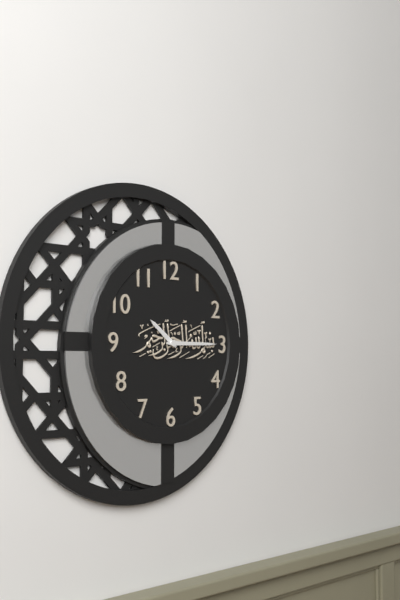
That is **10:15**
